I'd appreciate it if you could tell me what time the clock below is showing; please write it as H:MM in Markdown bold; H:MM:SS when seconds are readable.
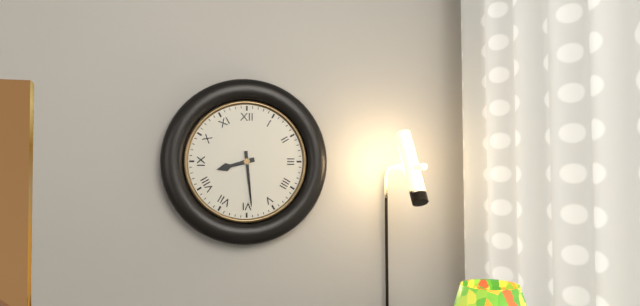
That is **8:29**
